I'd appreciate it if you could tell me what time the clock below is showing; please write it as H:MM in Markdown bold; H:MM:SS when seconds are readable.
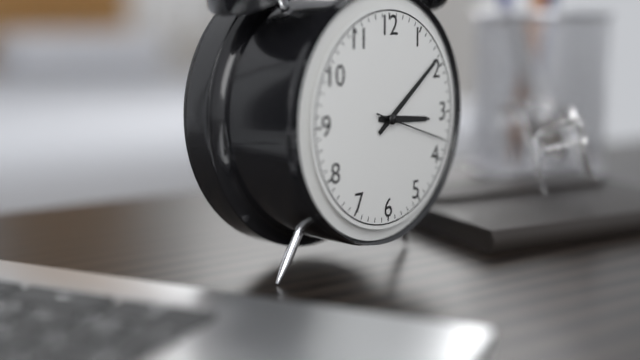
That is **3:09:18**
